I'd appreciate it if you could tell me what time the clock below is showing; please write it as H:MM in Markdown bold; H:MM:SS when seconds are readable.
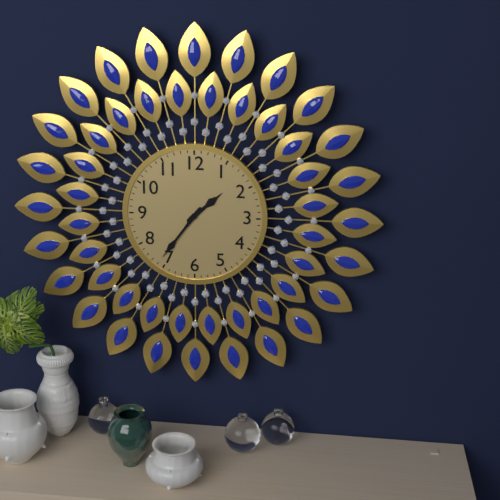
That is **1:36**
